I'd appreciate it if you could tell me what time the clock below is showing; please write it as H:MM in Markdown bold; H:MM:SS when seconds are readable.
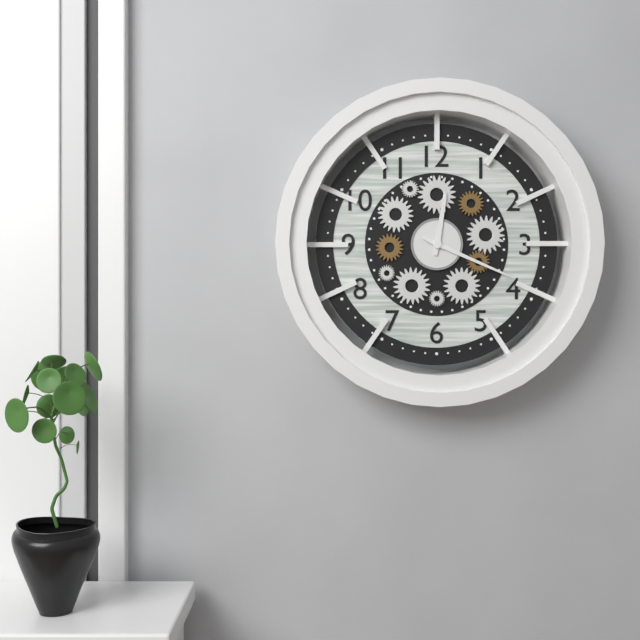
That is **12:19**
